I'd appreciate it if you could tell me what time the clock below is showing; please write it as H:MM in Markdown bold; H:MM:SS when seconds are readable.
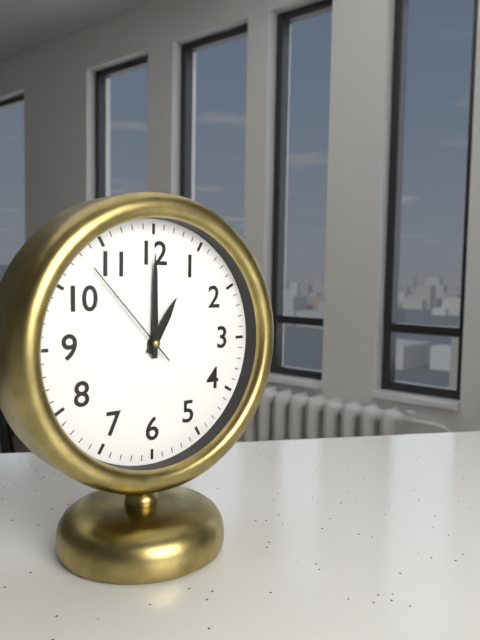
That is **1:00:53**
